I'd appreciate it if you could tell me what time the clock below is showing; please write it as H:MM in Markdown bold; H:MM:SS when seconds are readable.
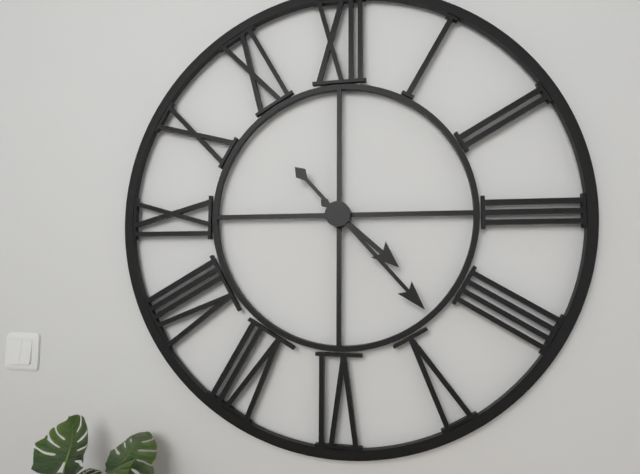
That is **4:23**
